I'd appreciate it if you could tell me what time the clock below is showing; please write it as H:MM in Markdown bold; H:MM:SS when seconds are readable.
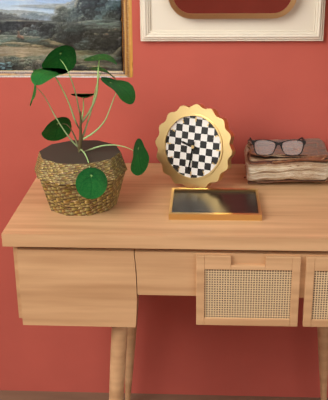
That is **9:31**
